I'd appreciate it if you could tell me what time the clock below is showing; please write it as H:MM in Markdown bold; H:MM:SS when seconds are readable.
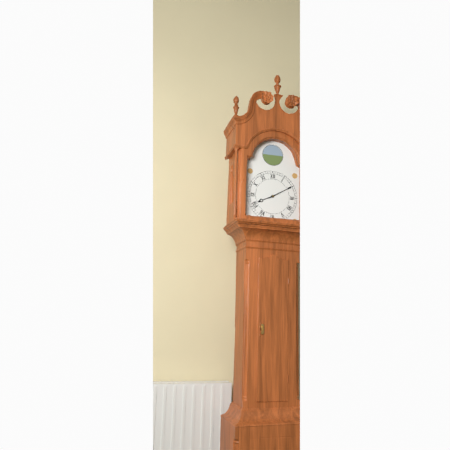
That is **8:10**
